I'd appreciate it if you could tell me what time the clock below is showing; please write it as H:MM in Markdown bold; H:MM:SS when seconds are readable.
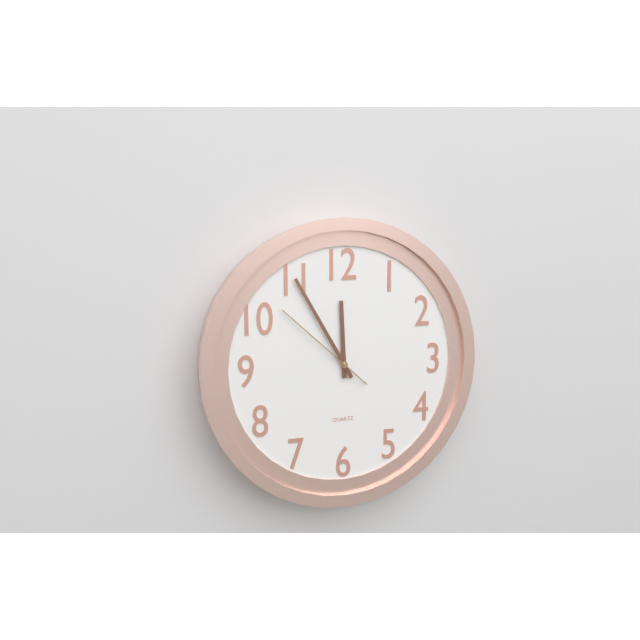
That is **11:55:52**
